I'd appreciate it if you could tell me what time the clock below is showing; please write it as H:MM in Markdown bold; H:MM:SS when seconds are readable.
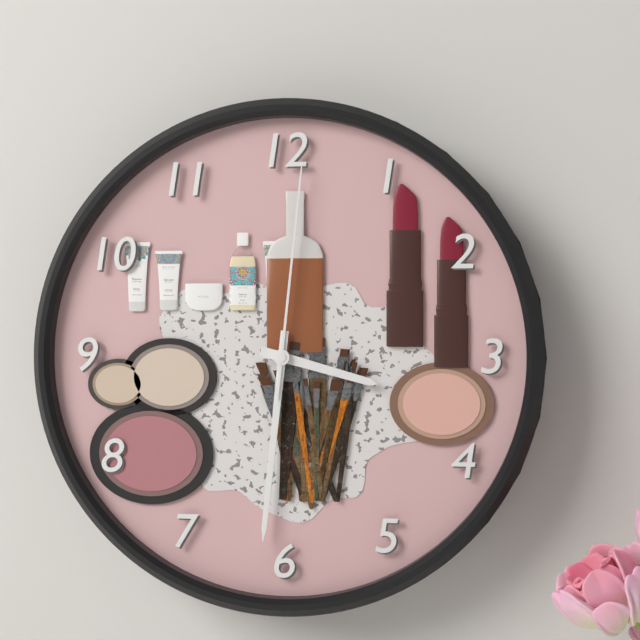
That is **3:31:01**
